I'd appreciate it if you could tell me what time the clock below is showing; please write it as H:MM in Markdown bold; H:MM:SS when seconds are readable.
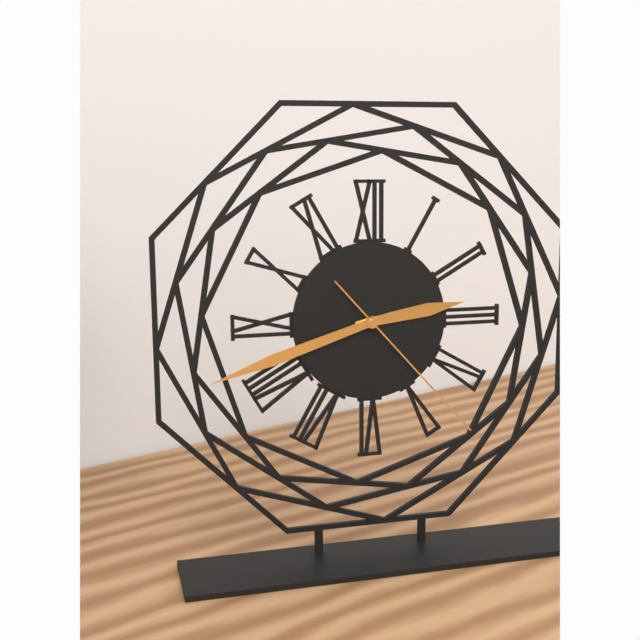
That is **2:42:23**
